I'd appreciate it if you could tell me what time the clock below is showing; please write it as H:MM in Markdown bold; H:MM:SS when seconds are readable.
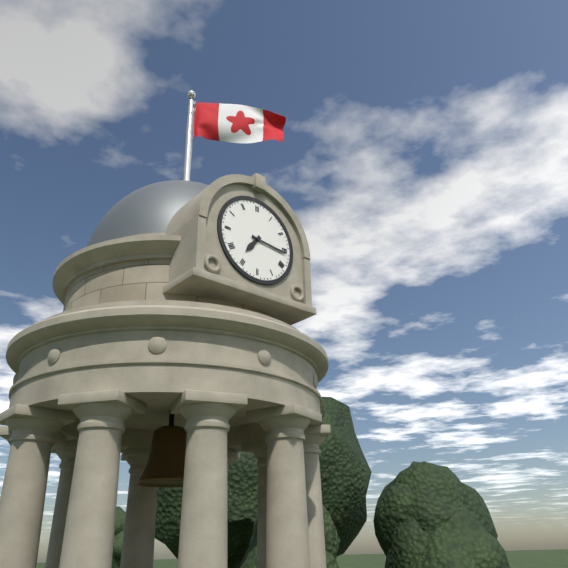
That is **7:16**
